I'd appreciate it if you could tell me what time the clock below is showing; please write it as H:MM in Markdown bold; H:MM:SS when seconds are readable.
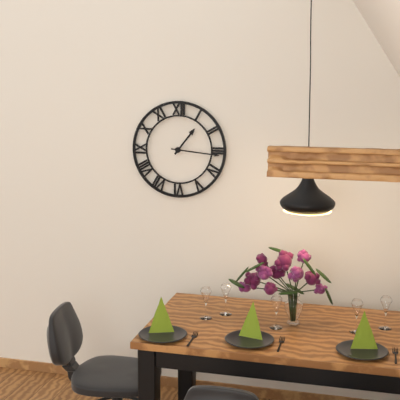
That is **1:16**
